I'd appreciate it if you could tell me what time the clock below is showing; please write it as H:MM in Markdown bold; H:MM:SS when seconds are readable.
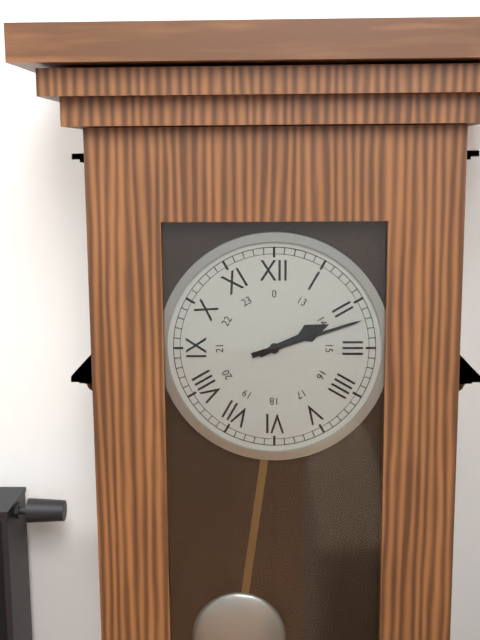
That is **2:12**
